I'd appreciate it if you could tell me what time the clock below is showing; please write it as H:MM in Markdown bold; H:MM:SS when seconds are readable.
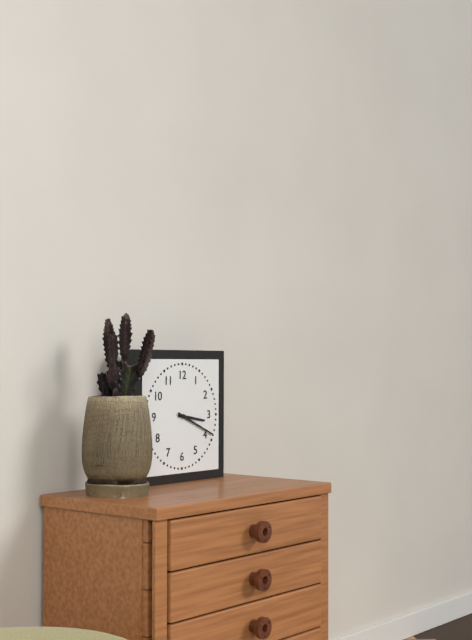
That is **3:19**
